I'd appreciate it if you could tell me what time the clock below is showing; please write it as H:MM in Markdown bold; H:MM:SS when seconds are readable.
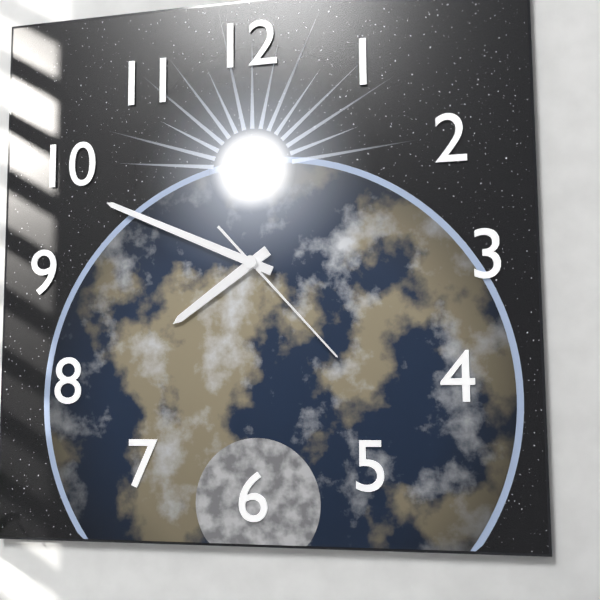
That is **7:49:23**
